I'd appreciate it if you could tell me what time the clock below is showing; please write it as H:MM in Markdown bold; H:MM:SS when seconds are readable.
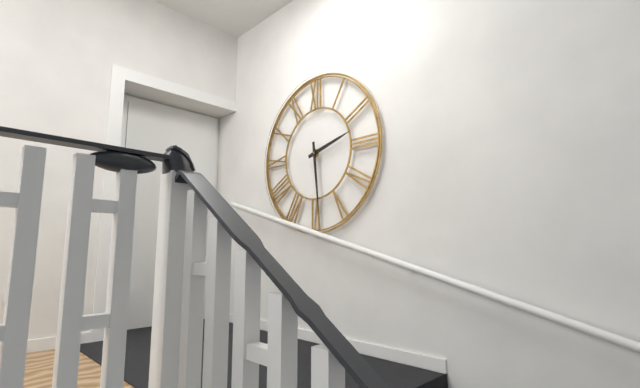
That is **2:29**
